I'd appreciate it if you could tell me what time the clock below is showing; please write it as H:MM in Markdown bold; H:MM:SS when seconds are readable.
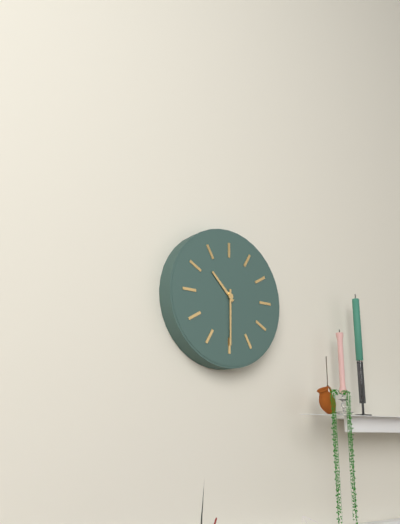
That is **10:30**
